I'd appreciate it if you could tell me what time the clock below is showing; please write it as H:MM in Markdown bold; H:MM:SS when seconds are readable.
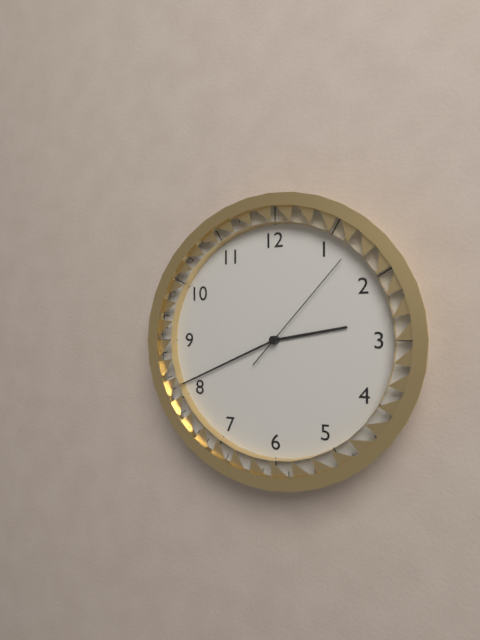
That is **2:41:07**
